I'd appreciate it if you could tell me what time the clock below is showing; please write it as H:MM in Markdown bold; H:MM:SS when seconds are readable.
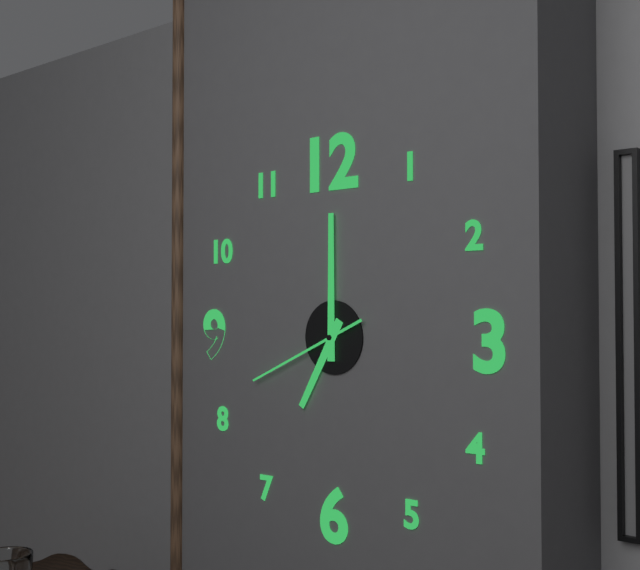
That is **7:00:41**
